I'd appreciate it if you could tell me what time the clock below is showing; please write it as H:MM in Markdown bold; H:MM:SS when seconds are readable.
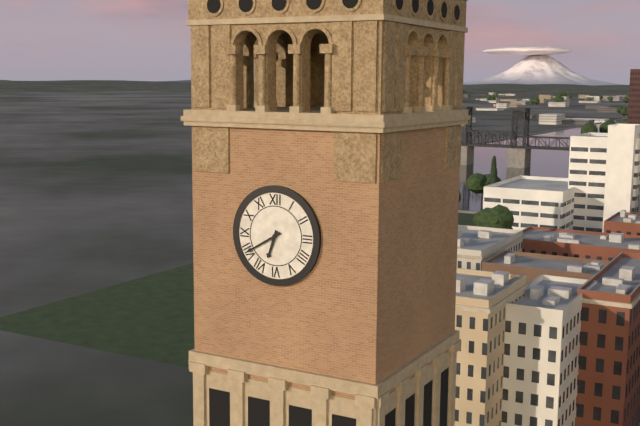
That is **6:40**
